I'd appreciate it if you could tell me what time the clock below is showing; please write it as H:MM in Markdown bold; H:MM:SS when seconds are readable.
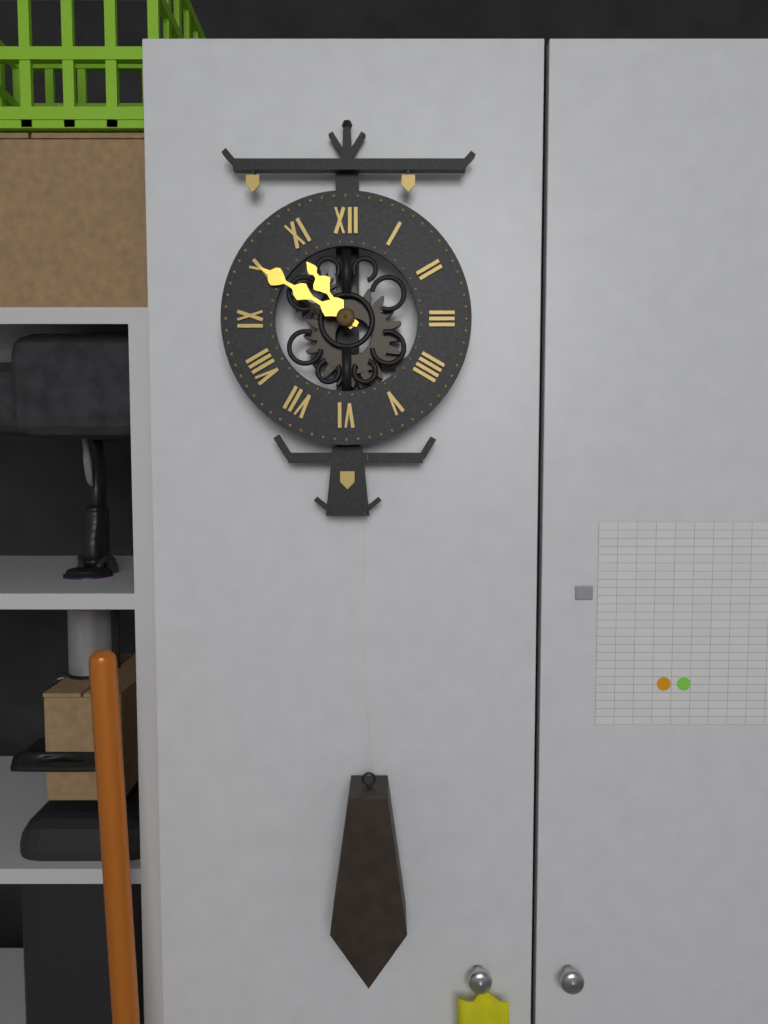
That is **10:50**
